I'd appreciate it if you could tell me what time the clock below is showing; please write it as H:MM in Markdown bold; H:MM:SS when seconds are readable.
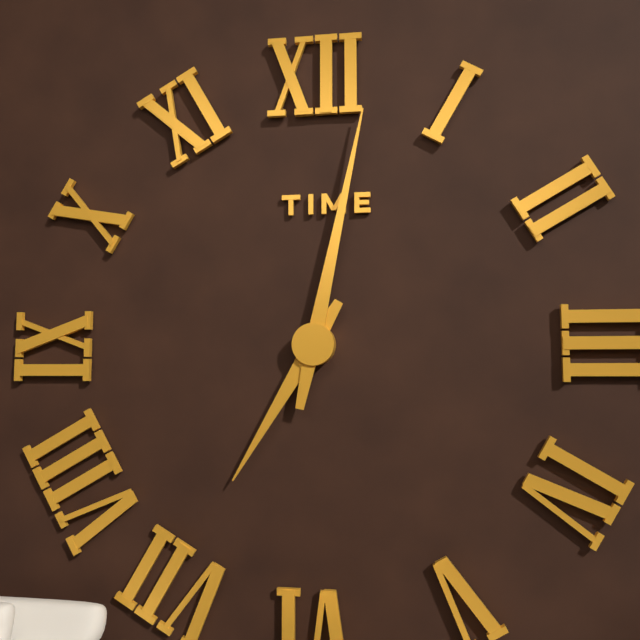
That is **7:02**
